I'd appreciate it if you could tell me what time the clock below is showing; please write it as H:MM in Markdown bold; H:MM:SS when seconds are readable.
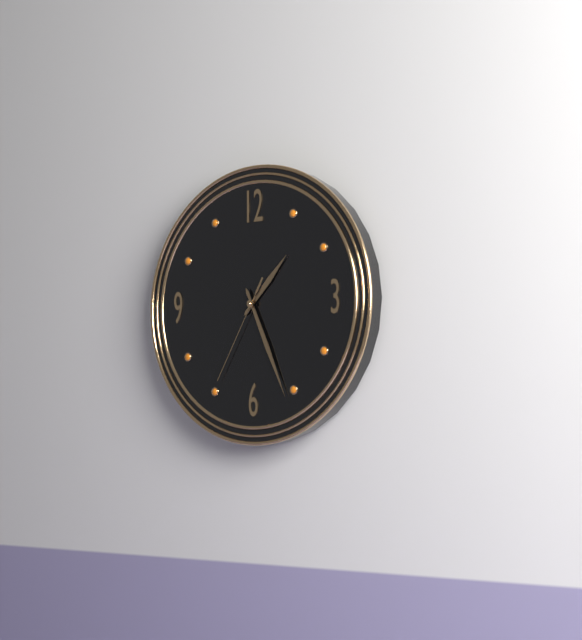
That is **1:26:35**
